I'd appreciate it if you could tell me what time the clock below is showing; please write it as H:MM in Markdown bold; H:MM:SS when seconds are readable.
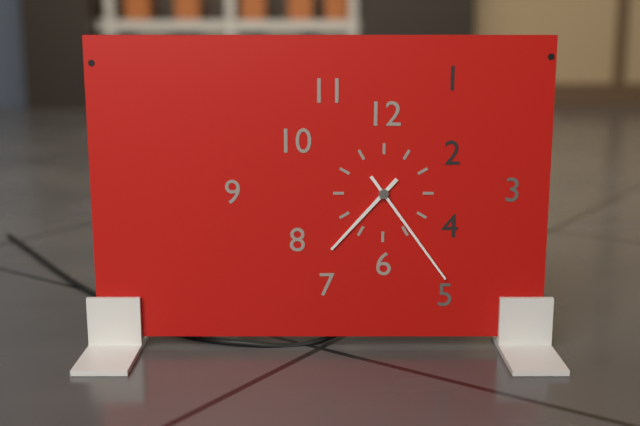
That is **7:24**
